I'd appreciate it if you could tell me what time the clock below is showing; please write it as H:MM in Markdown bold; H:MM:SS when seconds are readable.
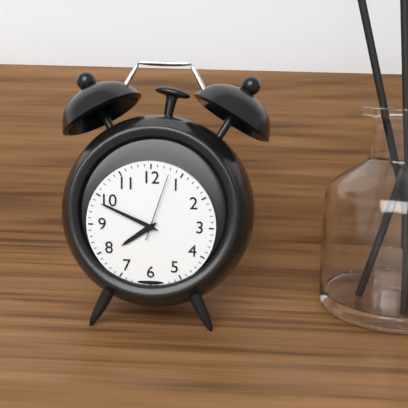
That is **7:49:03**
